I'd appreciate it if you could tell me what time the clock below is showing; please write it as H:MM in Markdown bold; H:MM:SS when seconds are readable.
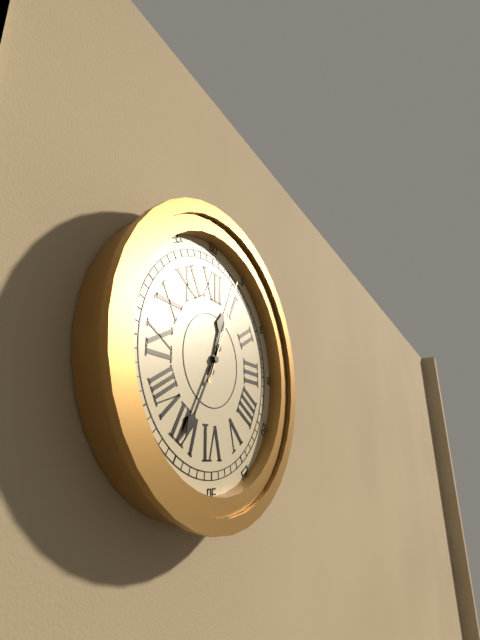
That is **12:35:04**
